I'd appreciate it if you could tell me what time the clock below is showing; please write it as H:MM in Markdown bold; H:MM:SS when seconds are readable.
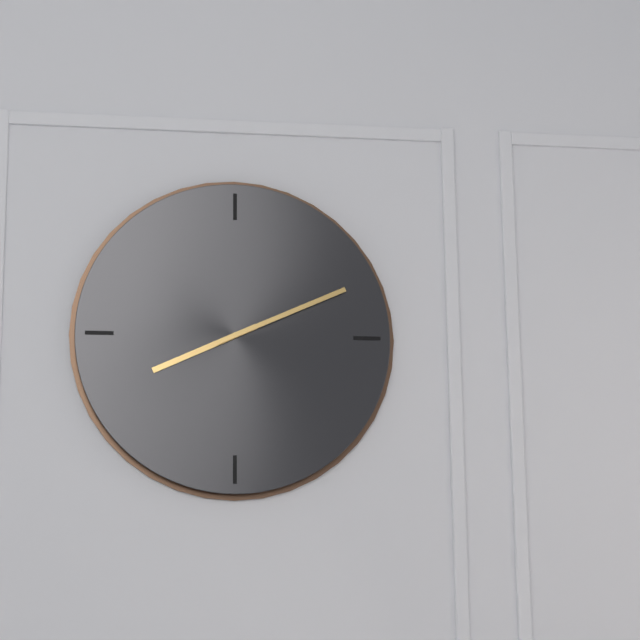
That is **8:11**
